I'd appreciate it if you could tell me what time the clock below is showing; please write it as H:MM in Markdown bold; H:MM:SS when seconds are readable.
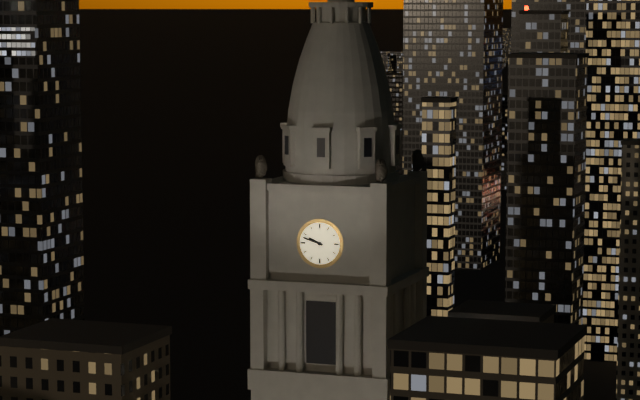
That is **9:48**
